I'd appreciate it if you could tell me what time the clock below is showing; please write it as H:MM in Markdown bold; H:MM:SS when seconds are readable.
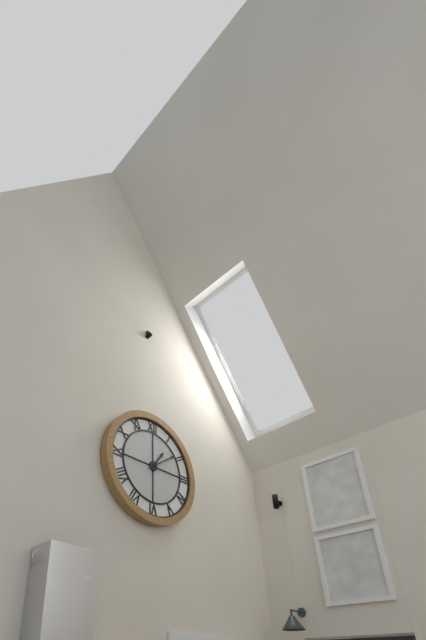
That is **1:09**
